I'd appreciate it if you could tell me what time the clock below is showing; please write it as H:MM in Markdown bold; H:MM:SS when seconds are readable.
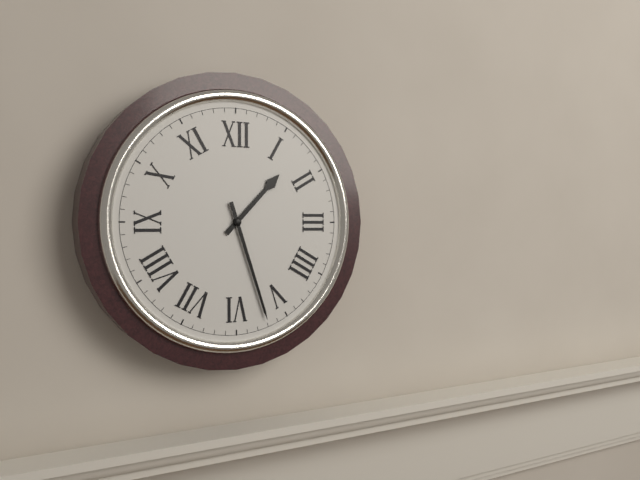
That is **1:27**
